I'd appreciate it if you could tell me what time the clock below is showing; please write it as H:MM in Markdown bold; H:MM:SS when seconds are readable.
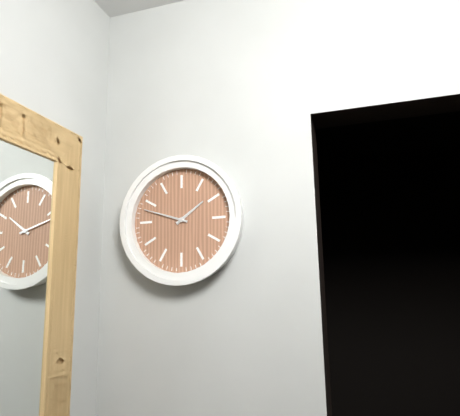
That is **1:48**
